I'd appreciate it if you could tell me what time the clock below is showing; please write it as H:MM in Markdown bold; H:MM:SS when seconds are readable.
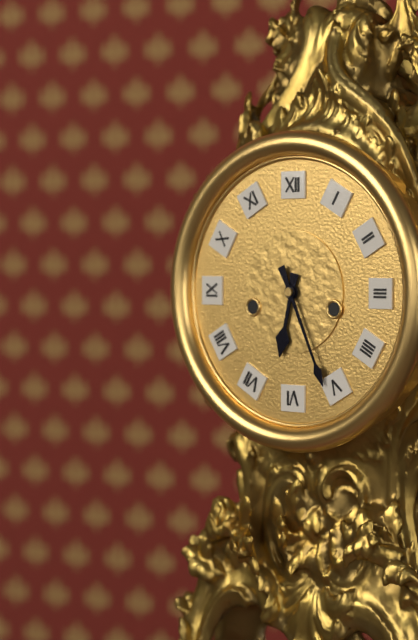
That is **6:26**
